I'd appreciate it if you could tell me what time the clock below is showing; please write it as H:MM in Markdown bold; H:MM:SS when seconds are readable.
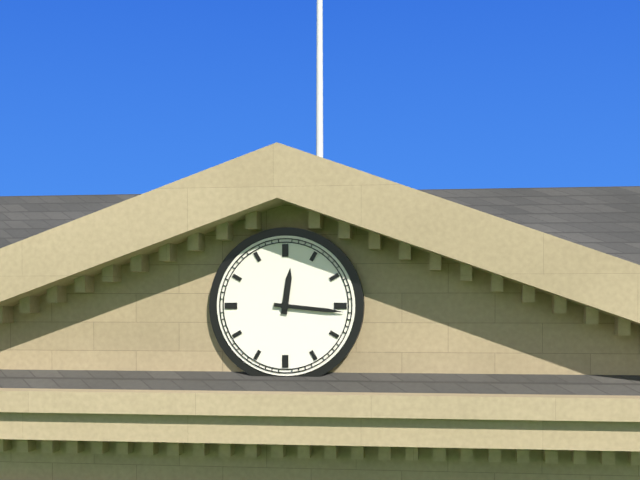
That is **12:16**
